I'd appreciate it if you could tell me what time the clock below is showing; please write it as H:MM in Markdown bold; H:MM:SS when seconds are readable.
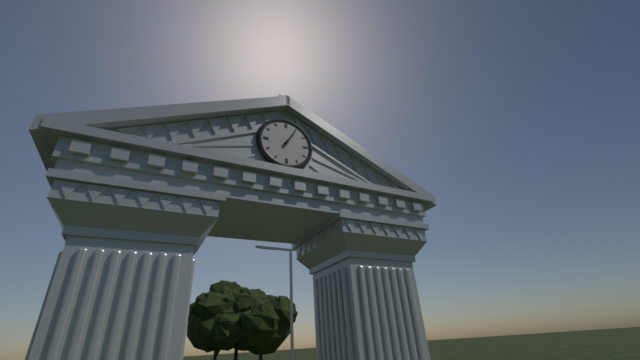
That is **1:05**
